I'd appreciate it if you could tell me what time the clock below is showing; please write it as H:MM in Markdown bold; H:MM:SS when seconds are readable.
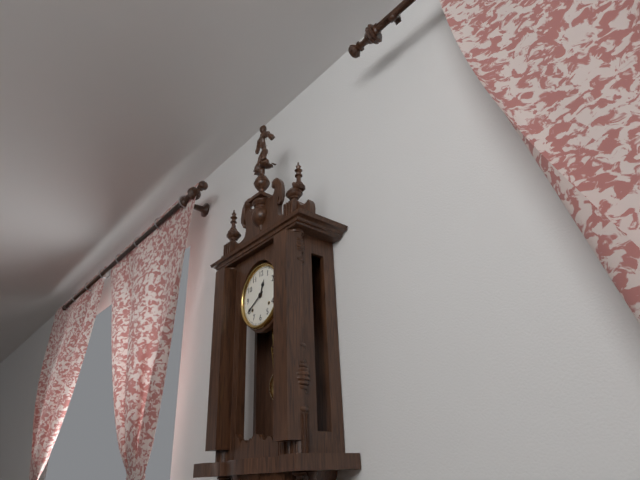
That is **12:40**
